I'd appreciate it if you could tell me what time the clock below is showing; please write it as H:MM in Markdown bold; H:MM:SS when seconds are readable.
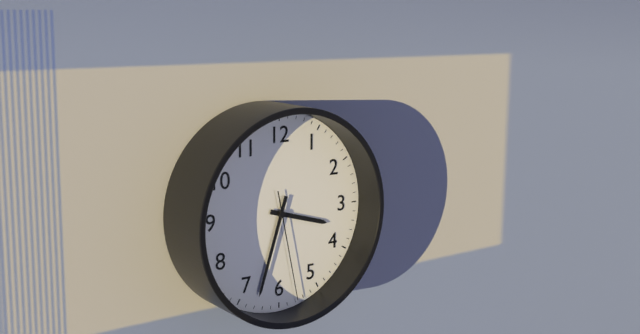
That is **3:33:28**
